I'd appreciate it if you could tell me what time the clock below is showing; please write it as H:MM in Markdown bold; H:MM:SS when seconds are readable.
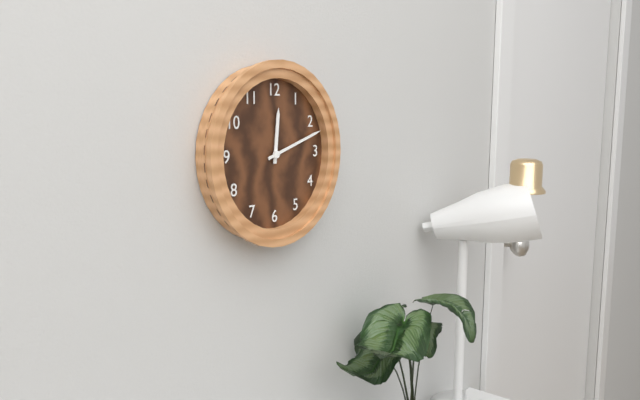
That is **12:12**
